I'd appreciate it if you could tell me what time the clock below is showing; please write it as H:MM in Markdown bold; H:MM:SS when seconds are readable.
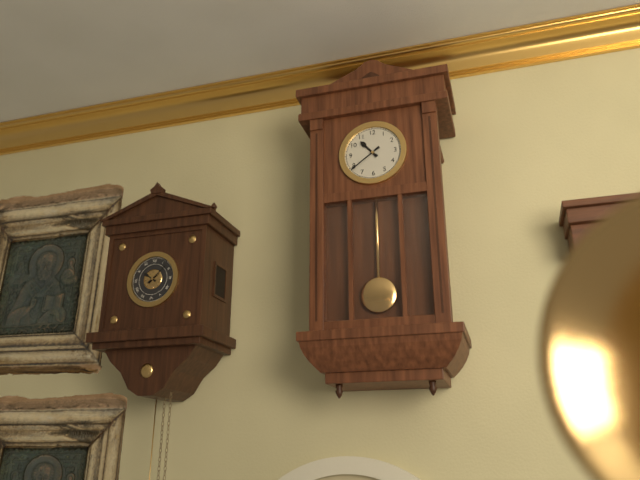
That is **10:39**
